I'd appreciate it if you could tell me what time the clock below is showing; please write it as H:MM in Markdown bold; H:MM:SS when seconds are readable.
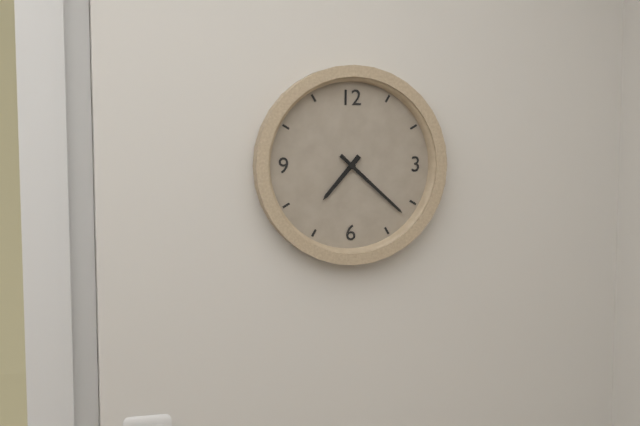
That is **7:22**
